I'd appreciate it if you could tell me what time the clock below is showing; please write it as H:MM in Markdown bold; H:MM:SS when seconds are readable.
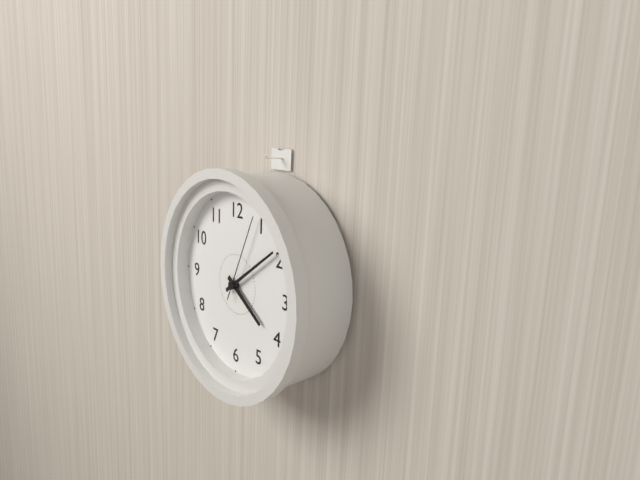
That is **4:09:04**
